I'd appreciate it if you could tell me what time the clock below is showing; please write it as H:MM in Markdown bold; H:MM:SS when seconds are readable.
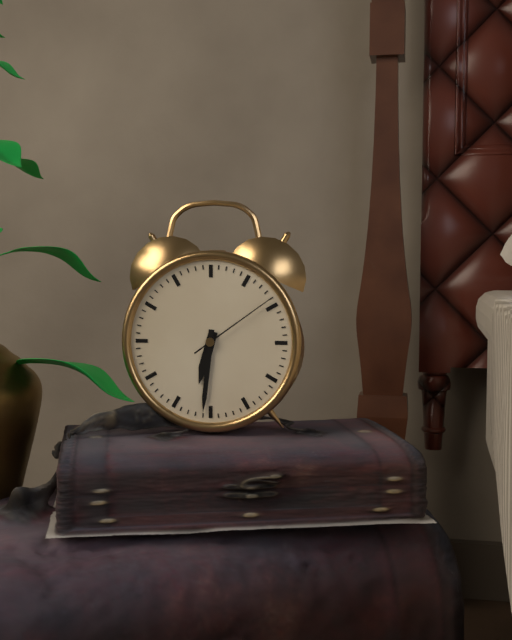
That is **6:31:09**
